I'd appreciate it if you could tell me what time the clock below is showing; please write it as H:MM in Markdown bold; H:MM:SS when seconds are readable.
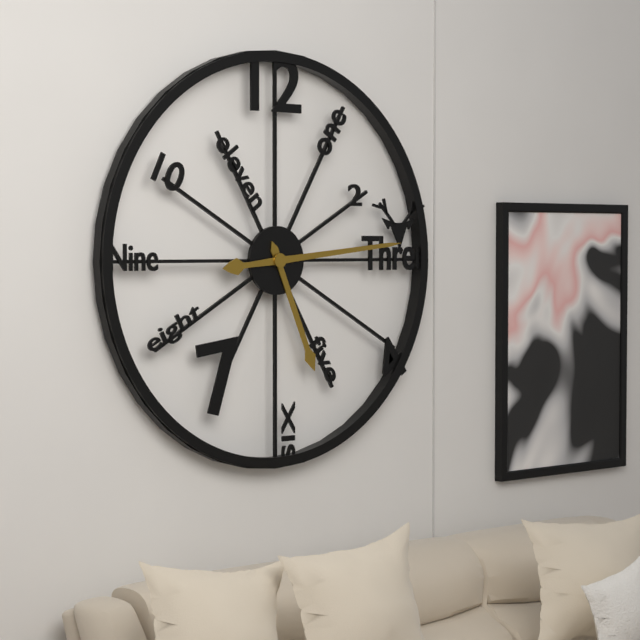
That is **5:14**
